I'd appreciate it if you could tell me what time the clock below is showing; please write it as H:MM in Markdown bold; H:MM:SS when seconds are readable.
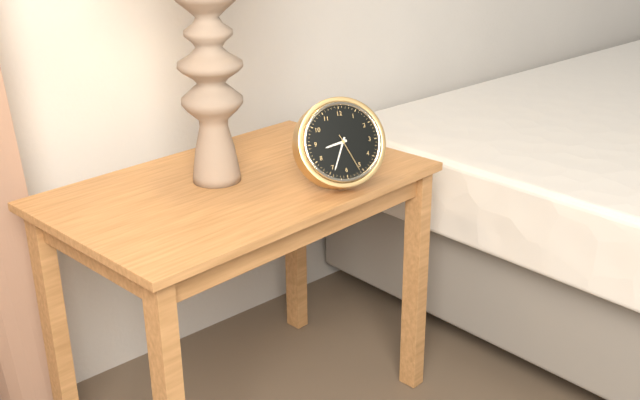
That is **8:34**
